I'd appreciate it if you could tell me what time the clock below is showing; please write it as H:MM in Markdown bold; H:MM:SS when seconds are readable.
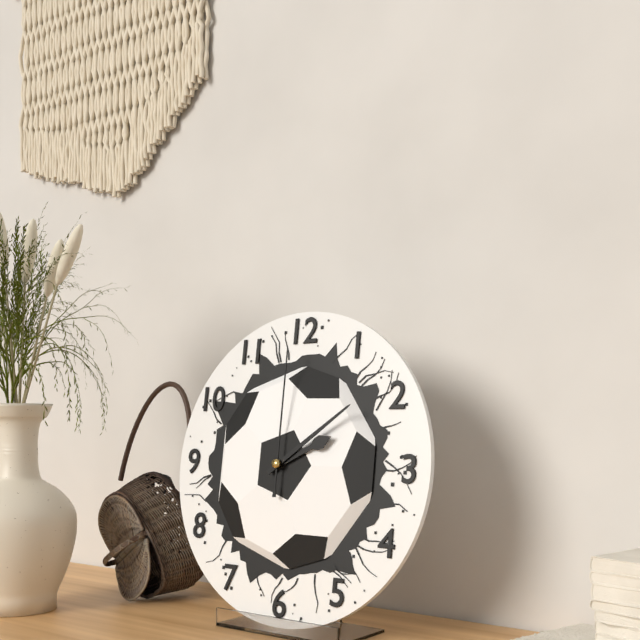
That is **2:09:00**
